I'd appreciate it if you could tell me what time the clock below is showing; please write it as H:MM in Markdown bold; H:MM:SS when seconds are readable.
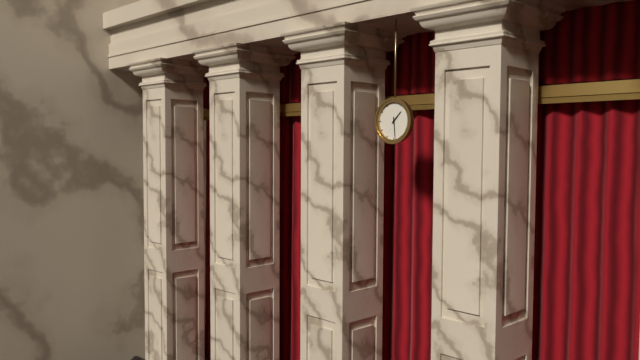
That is **1:29**
